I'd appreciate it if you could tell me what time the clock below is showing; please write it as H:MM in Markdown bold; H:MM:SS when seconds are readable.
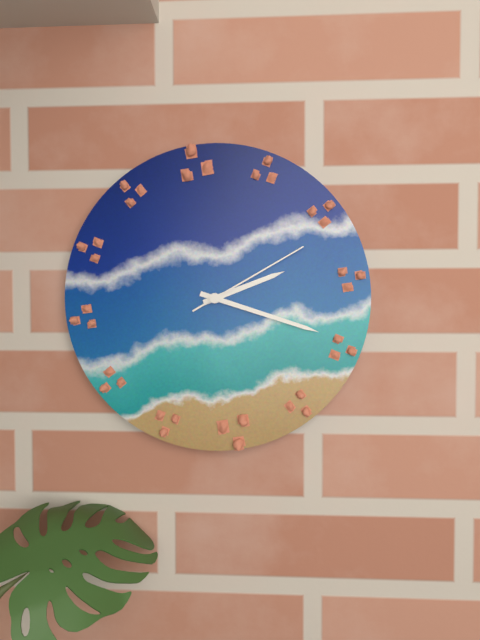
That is **2:18:10**
